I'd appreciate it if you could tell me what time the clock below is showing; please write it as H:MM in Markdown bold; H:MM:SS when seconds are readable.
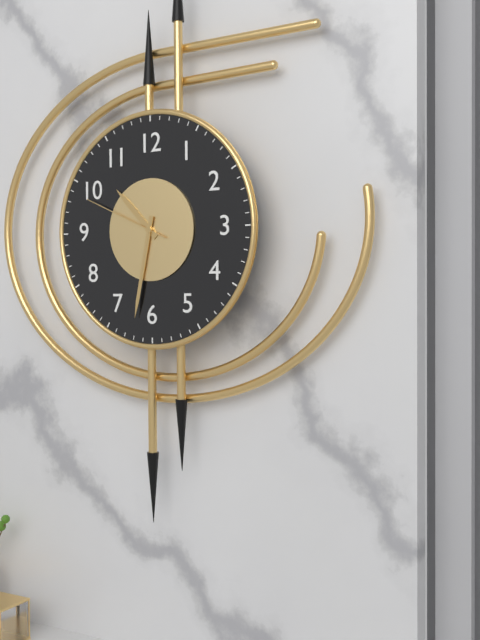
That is **10:32:49**
